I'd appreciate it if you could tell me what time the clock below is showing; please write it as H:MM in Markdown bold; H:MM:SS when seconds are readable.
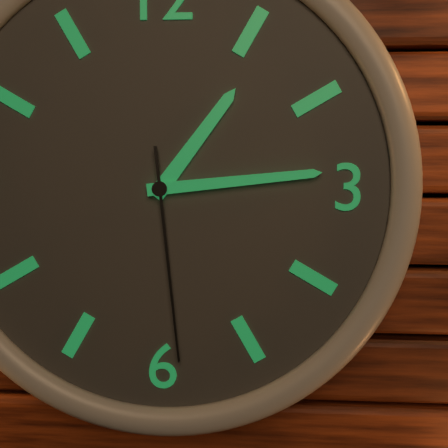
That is **1:14:29**
